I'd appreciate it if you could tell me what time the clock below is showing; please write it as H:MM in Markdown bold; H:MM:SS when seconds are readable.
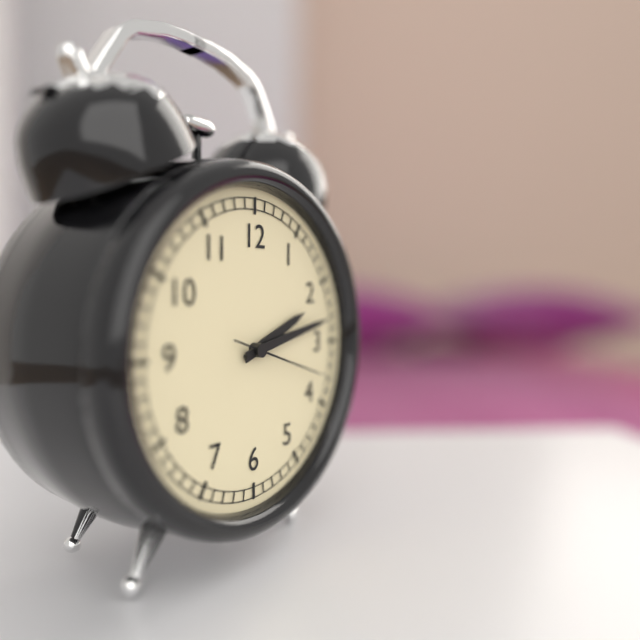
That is **2:13:18**
